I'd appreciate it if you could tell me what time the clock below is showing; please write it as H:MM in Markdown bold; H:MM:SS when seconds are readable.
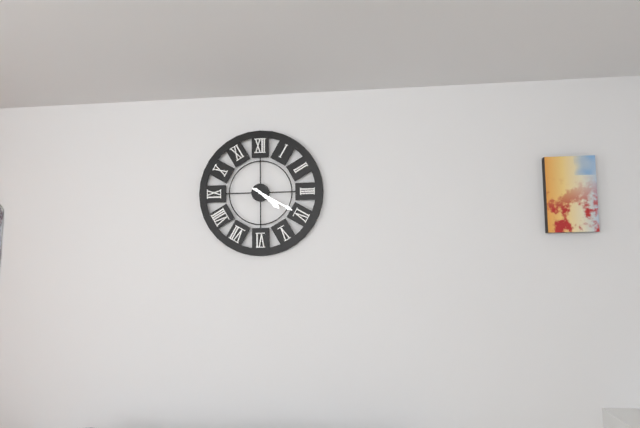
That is **4:20**
